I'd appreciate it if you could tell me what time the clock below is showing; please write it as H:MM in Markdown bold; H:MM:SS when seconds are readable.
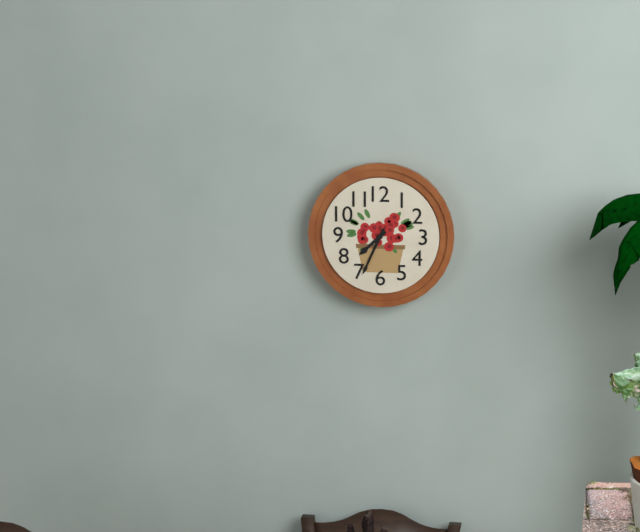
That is **7:34**
